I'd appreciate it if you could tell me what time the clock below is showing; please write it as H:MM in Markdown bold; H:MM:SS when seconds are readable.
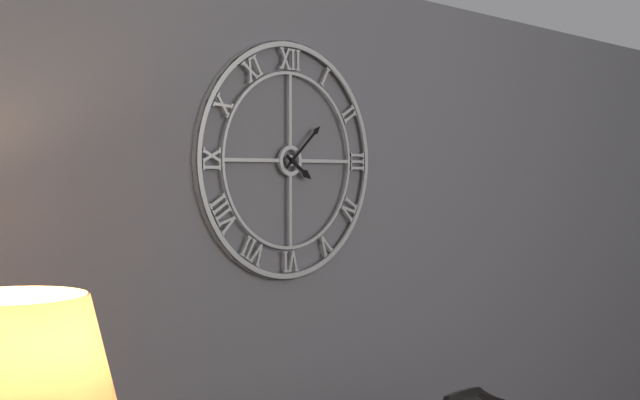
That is **4:08**
